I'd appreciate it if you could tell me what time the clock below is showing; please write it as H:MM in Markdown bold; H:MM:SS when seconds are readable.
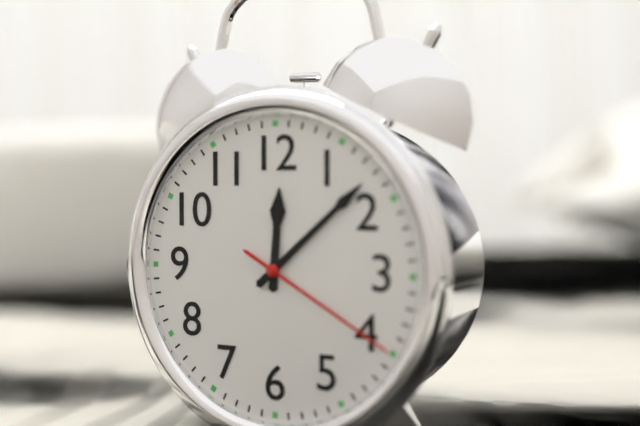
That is **12:08:20**
